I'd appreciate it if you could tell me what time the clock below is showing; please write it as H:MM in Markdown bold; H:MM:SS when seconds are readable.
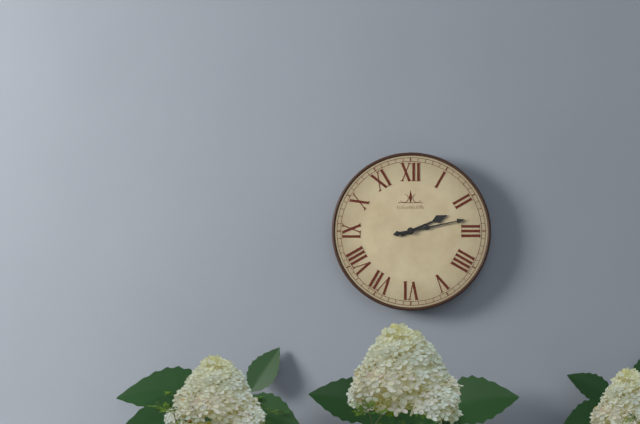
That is **2:13**
